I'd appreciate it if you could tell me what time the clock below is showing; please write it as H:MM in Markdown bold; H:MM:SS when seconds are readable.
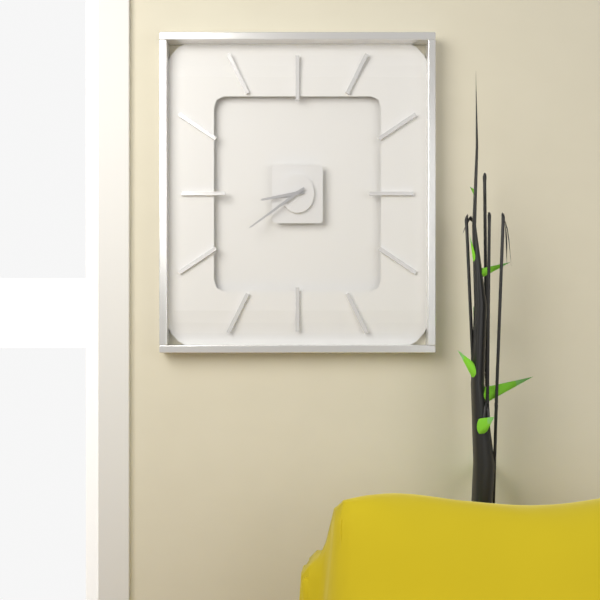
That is **8:39**
